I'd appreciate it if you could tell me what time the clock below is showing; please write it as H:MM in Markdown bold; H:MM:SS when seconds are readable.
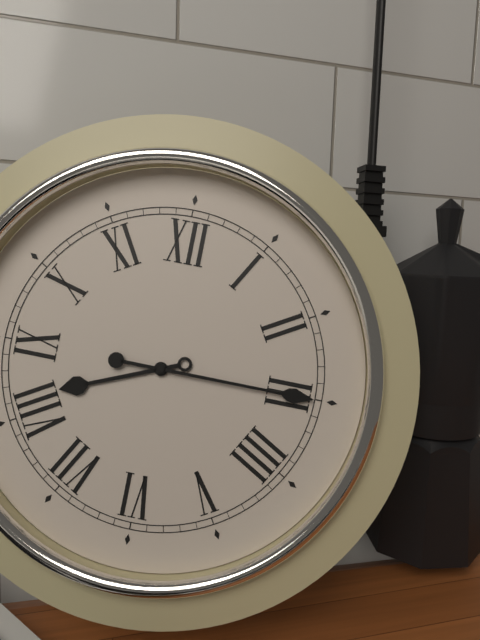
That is **8:15**
